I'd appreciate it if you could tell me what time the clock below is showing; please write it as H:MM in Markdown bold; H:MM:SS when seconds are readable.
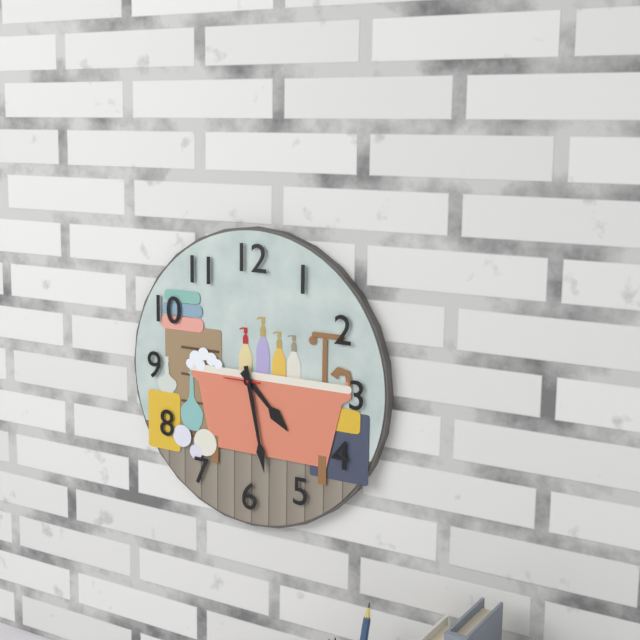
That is **4:28**
